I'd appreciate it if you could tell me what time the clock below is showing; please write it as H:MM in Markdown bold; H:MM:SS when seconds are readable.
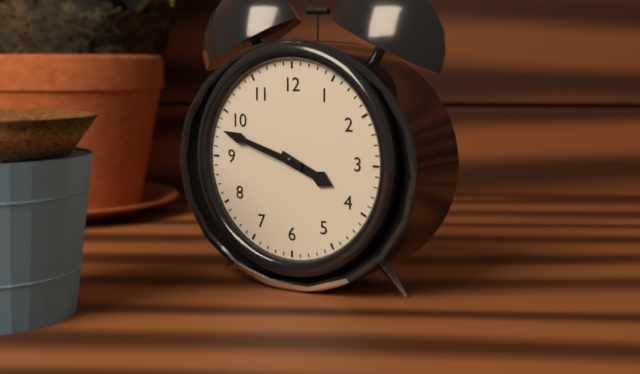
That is **3:48**
